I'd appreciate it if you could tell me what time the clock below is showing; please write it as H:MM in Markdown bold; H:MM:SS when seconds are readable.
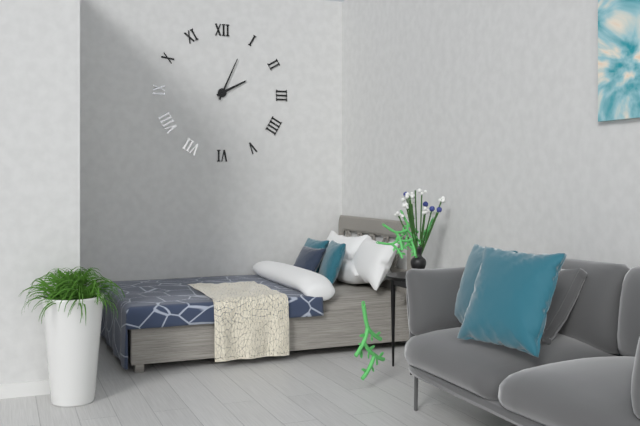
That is **2:04**
